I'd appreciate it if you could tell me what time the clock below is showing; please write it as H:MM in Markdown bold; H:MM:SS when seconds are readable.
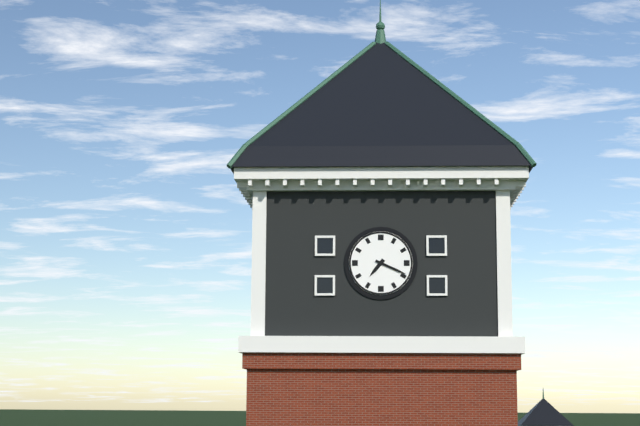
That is **7:19**
